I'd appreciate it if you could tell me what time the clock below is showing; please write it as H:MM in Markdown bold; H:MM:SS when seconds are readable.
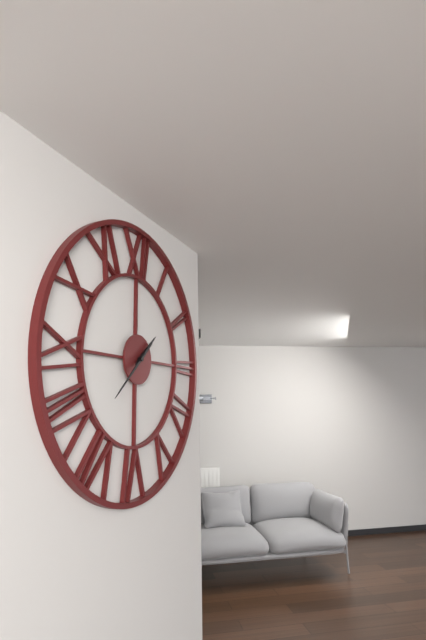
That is **1:38**
